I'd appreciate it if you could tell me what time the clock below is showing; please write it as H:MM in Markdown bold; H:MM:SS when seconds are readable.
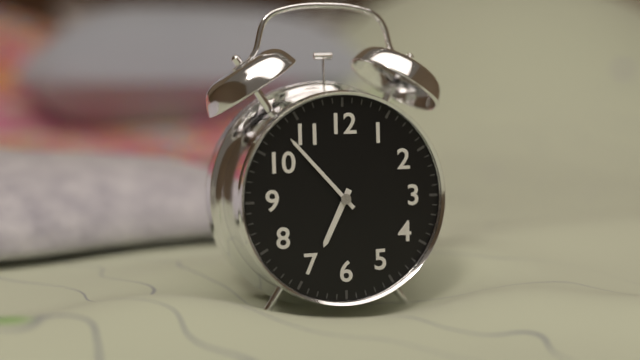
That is **6:53**
